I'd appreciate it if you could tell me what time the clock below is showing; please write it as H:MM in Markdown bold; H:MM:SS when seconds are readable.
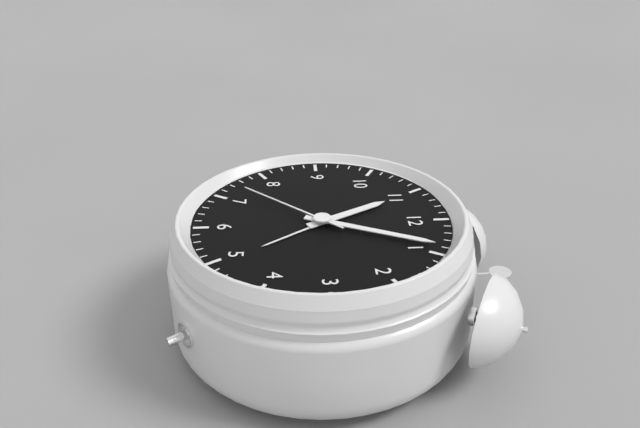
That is **11:04:37**
